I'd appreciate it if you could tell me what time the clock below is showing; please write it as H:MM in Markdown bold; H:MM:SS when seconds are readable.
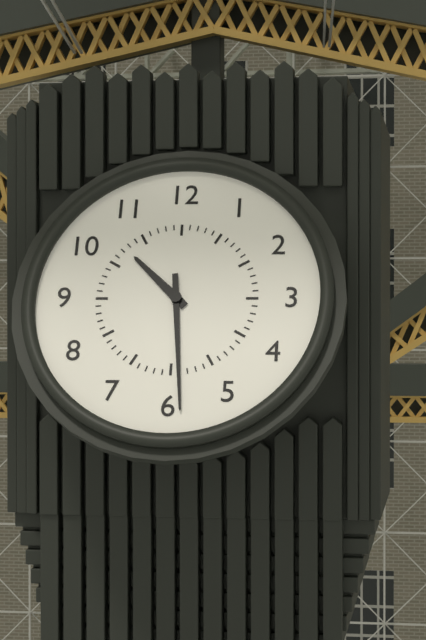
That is **10:29**
